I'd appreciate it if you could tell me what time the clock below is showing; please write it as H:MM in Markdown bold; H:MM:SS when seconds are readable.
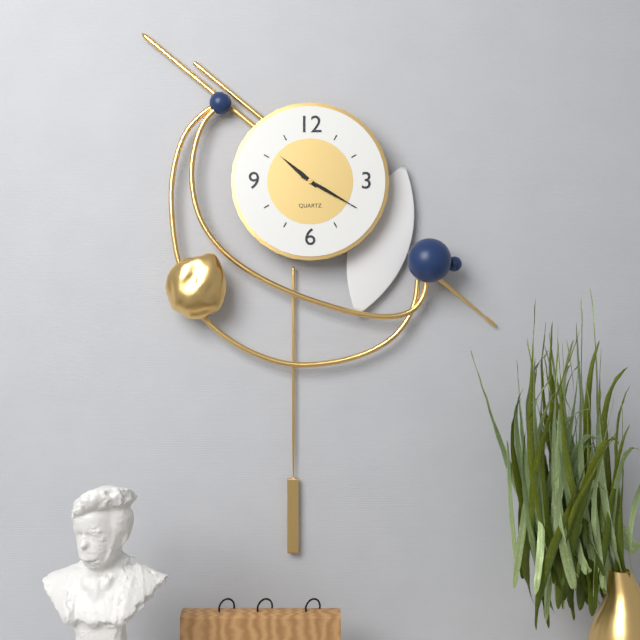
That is **10:20**
